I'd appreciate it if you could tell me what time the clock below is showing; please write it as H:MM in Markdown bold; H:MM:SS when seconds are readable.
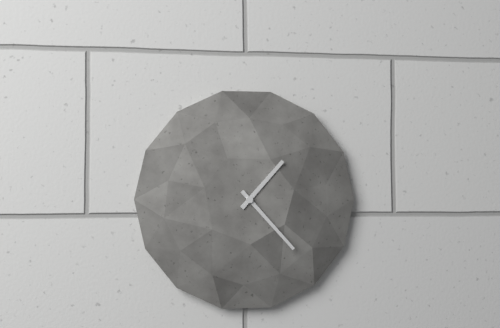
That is **1:23**
